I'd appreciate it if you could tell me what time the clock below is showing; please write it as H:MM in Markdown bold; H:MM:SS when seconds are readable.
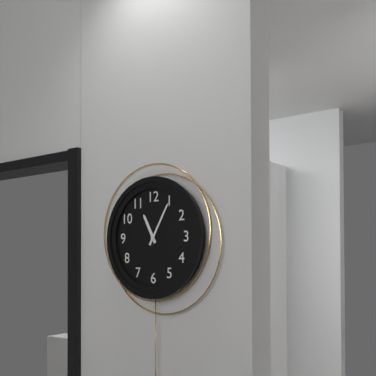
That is **11:05**
